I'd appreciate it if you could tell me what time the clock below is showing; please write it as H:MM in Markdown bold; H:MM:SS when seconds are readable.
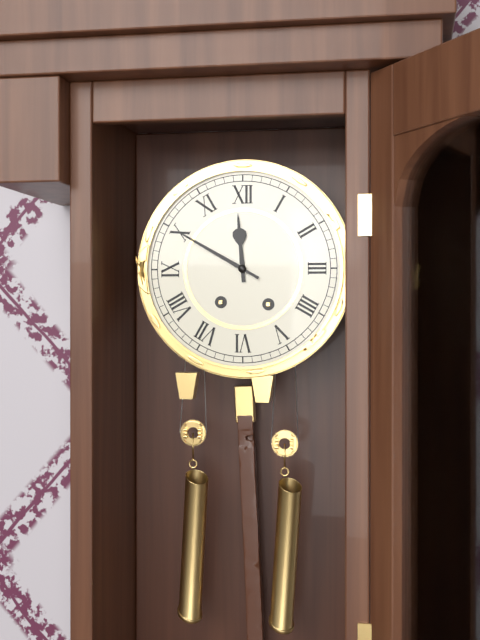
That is **11:50**
